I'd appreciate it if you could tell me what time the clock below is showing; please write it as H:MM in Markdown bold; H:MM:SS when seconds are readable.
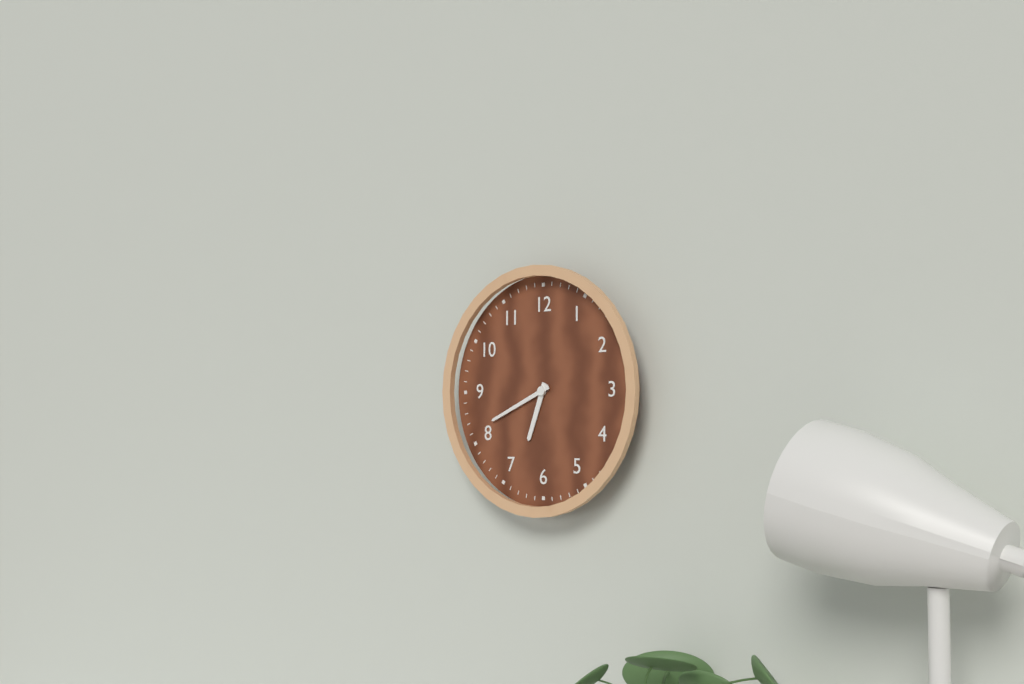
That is **6:41**
